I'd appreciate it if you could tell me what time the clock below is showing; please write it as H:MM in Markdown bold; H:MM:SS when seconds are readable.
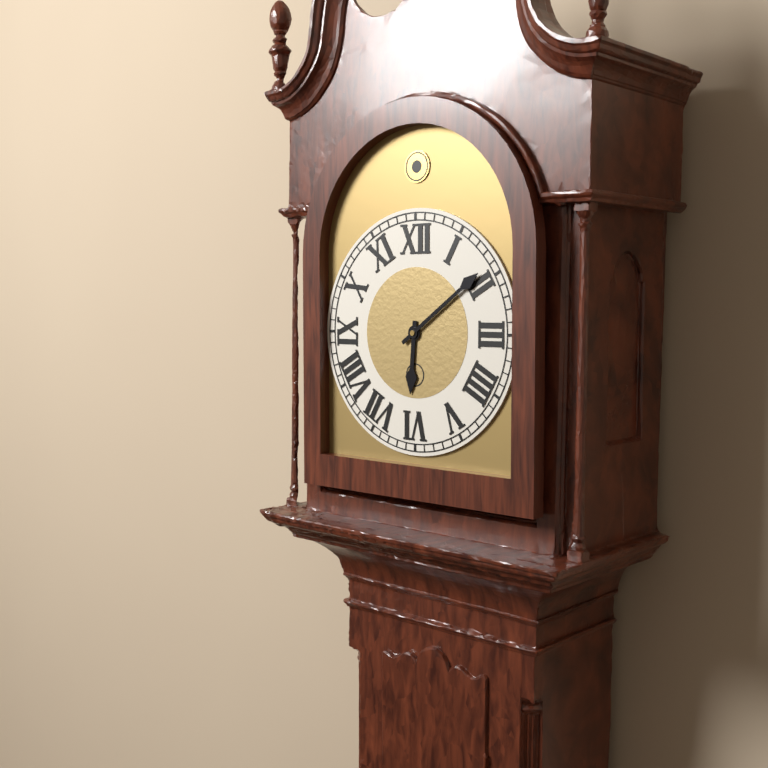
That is **6:09**
